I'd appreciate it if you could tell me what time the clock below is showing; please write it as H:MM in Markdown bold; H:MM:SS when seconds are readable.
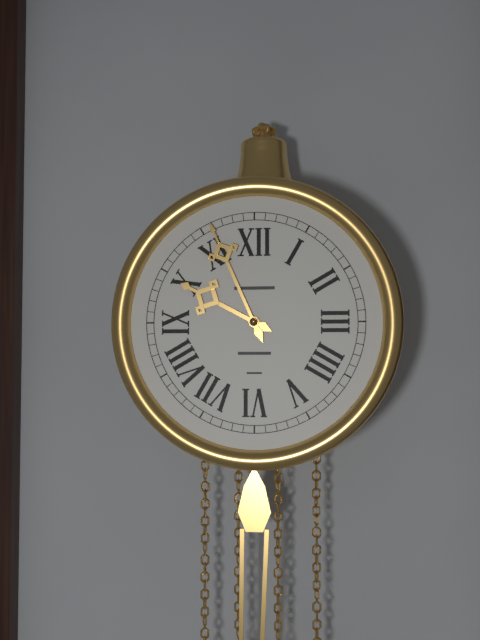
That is **9:56**
